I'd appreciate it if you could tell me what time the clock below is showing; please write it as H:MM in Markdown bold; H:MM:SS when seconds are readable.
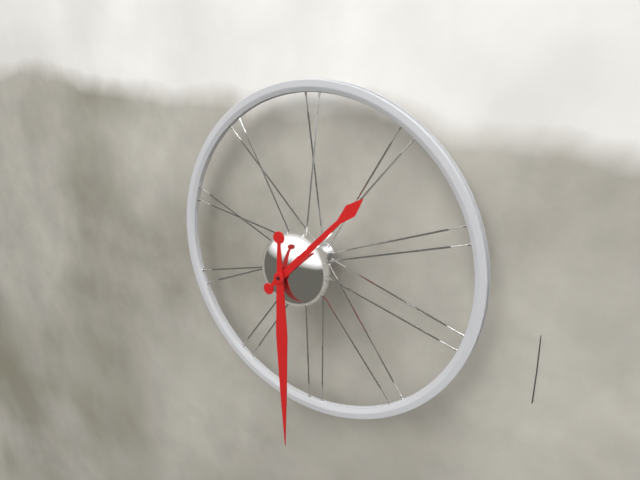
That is **1:30**
